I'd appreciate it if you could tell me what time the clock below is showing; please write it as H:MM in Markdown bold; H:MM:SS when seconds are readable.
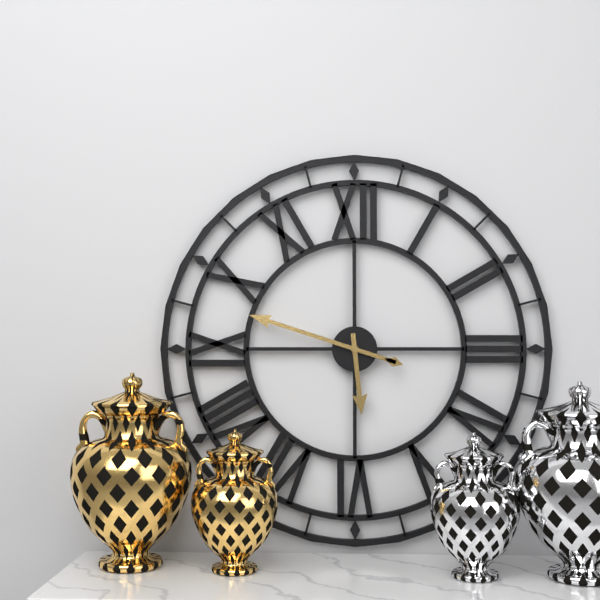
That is **5:48**
